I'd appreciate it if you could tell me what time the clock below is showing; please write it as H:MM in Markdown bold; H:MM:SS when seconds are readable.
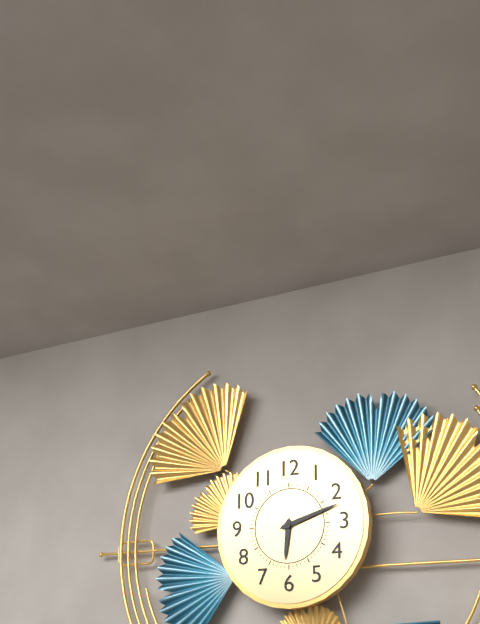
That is **6:12**
